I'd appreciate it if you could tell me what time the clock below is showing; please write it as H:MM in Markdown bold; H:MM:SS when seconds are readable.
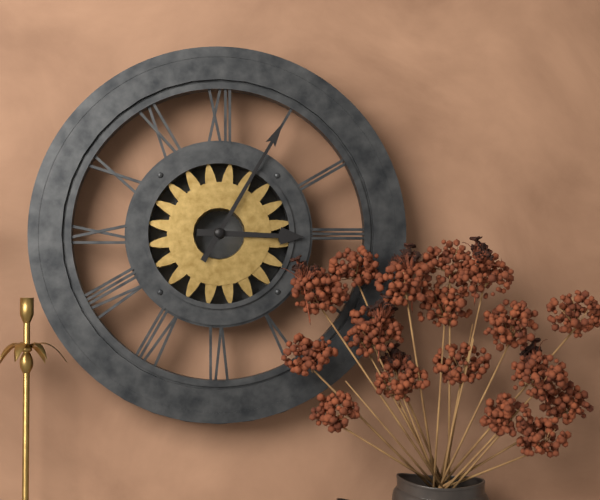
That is **3:05**
